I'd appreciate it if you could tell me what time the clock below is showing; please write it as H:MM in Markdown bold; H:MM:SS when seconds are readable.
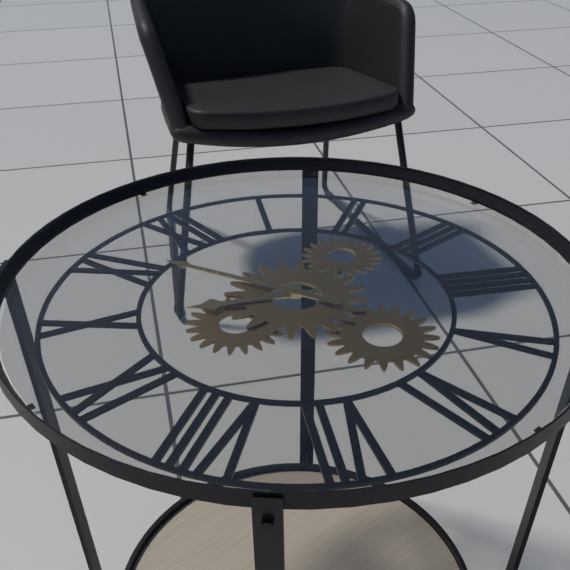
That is **9:56**
